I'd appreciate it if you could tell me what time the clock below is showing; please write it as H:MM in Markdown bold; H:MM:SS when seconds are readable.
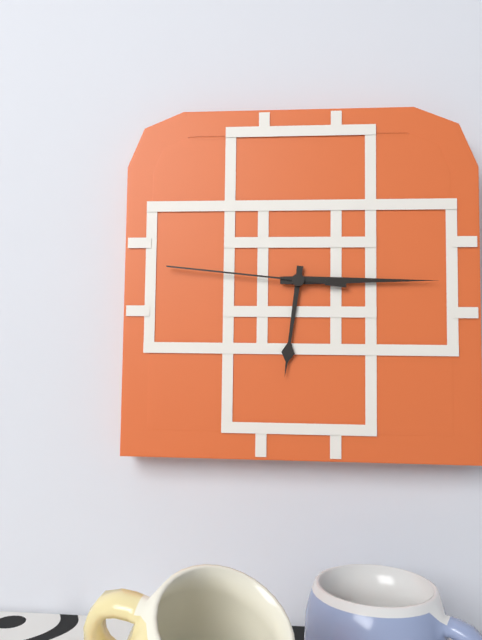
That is **6:15:46**
